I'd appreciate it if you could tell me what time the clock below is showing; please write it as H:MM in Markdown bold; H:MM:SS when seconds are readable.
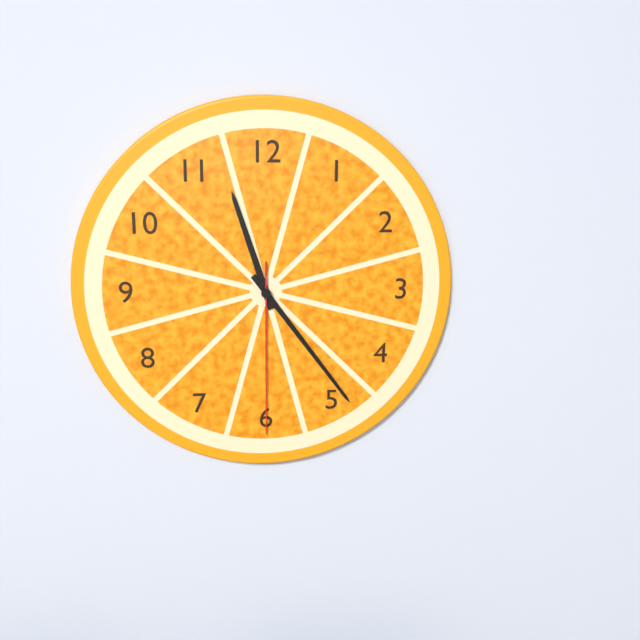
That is **11:24:30**
